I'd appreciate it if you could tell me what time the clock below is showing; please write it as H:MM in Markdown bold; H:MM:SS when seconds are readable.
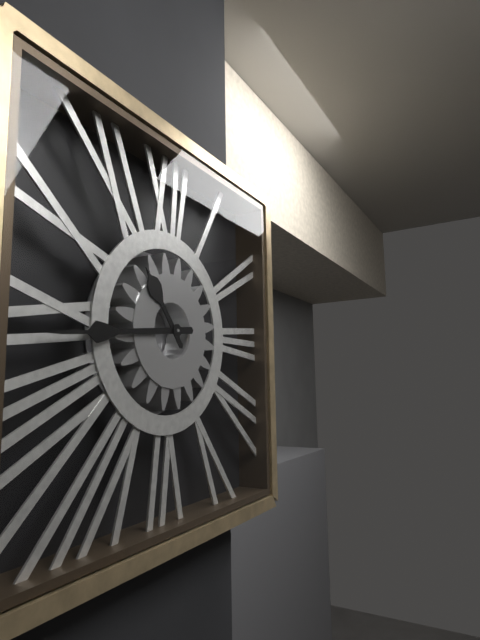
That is **10:44**
